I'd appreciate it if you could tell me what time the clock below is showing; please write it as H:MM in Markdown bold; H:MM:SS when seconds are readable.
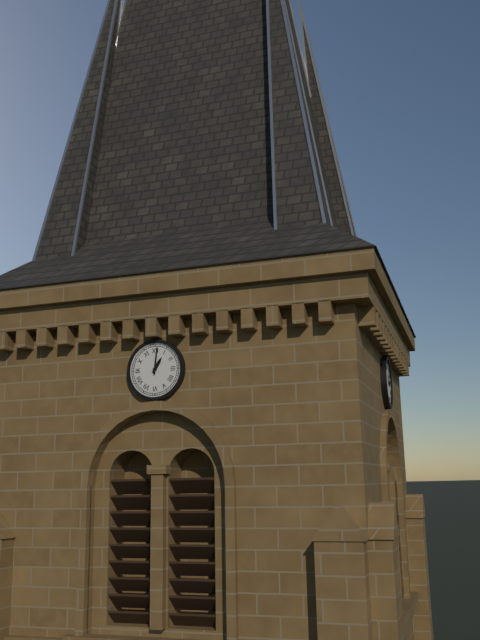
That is **1:01**
